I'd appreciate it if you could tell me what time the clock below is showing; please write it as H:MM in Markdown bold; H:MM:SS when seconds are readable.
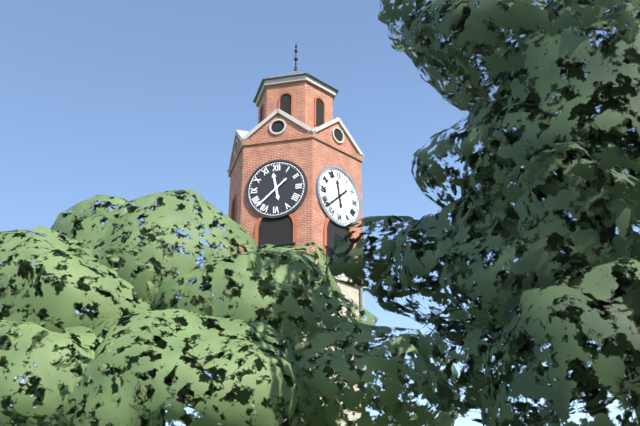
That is **11:38**
